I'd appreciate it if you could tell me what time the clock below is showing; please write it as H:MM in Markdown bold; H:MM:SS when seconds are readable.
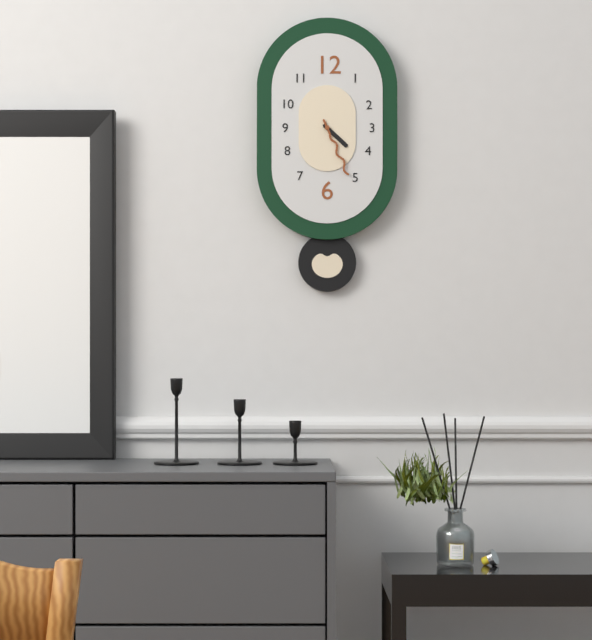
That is **4:26**
